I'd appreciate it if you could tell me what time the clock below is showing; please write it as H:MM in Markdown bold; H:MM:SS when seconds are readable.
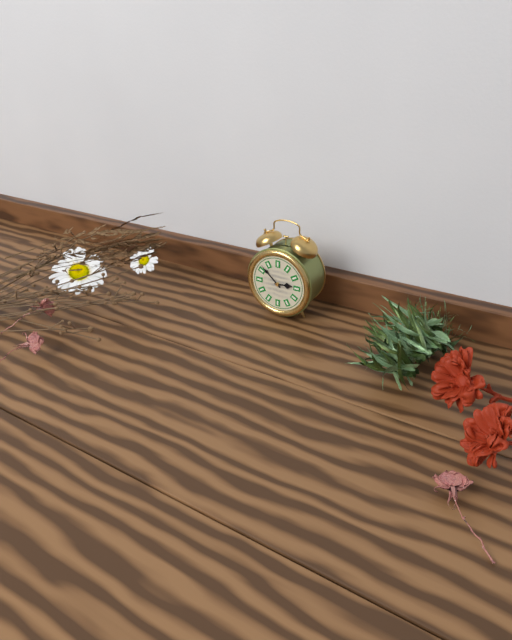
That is **2:52**
